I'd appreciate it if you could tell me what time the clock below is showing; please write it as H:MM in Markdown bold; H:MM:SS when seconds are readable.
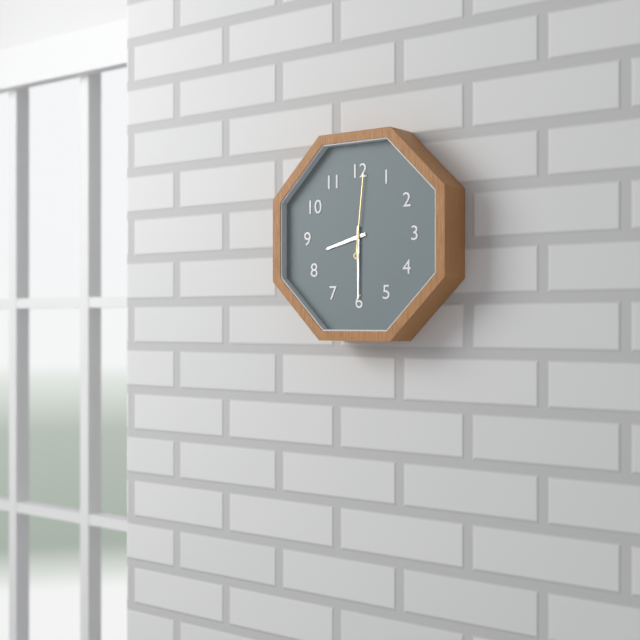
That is **8:30:01**
